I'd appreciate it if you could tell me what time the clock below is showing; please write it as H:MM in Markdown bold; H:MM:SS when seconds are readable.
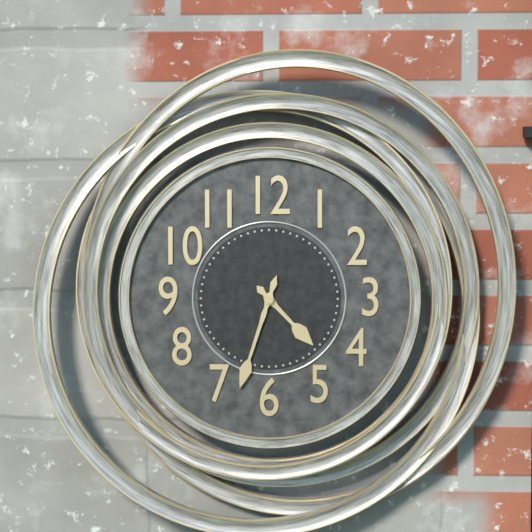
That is **4:33**
